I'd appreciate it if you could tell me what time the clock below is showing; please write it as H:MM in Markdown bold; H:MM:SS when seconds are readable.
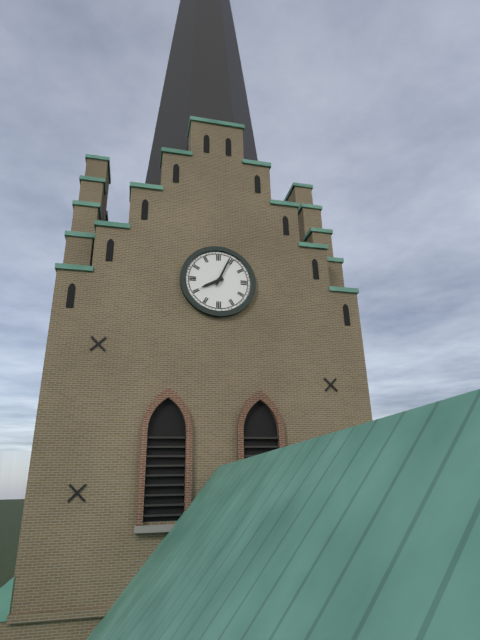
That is **8:04**
